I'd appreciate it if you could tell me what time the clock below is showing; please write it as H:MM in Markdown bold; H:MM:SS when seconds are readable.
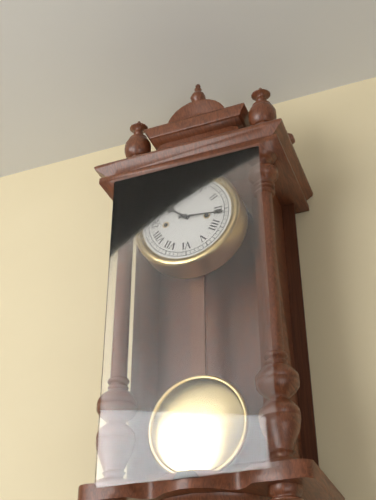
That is **10:16**
